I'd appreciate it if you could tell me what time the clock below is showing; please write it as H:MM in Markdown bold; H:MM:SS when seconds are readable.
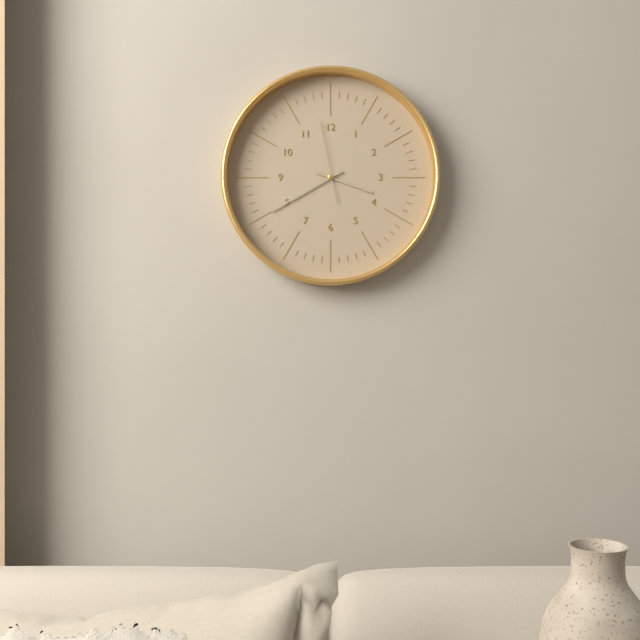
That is **3:40:58**
